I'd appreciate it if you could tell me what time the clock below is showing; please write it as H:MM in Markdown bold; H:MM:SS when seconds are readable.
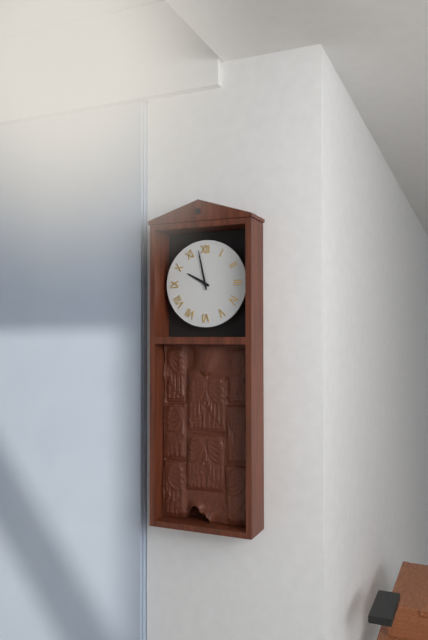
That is **9:58**
